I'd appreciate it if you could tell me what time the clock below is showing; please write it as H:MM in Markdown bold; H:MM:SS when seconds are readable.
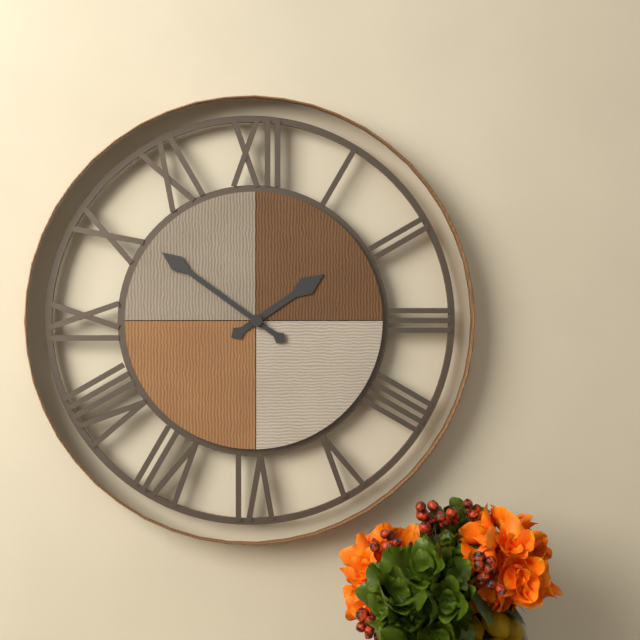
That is **1:51**
